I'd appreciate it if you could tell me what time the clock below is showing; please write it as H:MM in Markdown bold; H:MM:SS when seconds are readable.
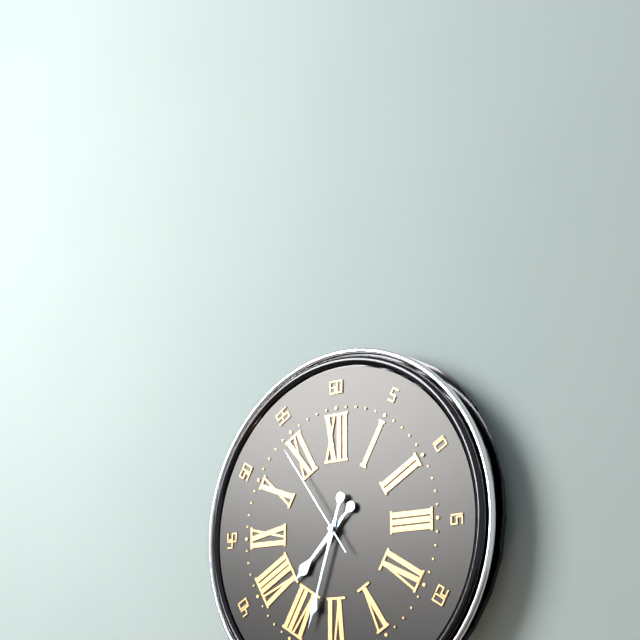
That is **7:33:54**
